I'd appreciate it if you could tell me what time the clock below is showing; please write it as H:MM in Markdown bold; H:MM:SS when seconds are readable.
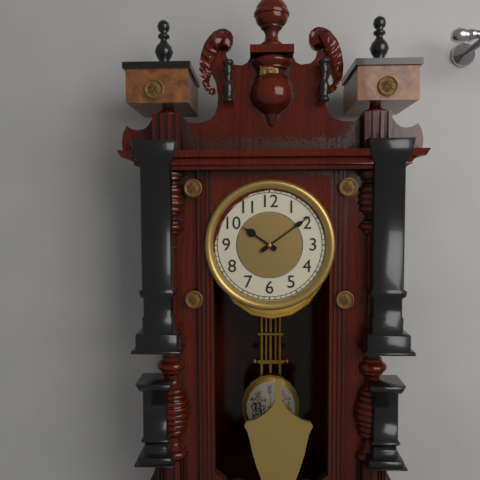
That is **10:09**
